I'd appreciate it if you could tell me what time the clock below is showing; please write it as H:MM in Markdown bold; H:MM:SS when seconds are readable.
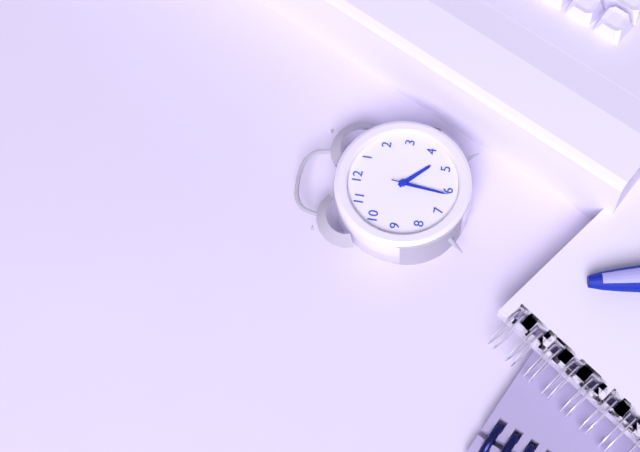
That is **4:31:31**
